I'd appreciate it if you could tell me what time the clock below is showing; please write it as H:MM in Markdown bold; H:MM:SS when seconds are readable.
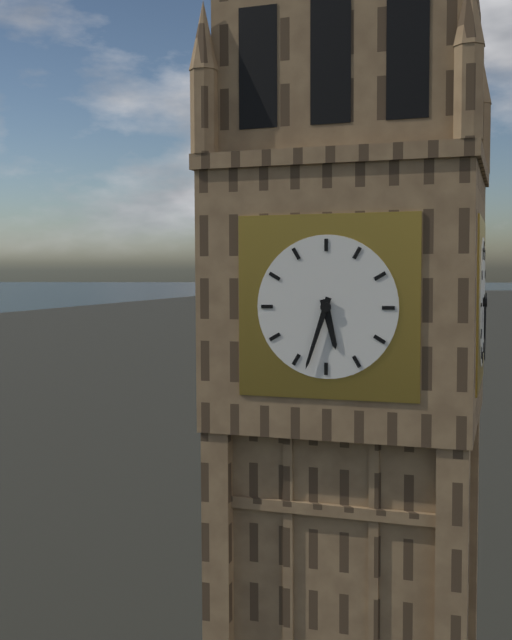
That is **5:33**
